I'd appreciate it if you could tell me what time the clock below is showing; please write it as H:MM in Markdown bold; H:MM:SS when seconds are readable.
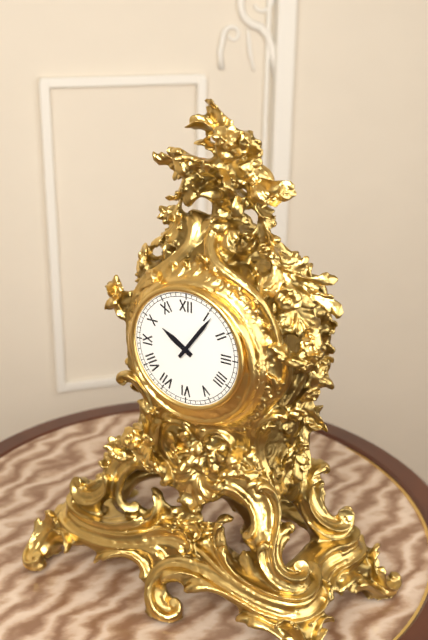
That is **10:06**
